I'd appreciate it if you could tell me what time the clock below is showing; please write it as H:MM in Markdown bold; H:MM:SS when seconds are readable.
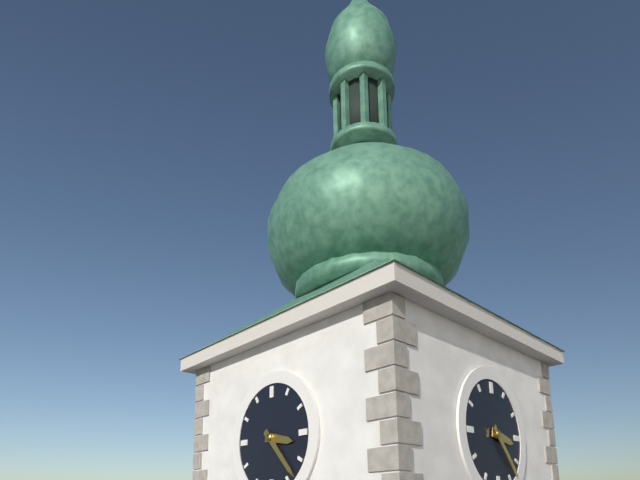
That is **3:23**
